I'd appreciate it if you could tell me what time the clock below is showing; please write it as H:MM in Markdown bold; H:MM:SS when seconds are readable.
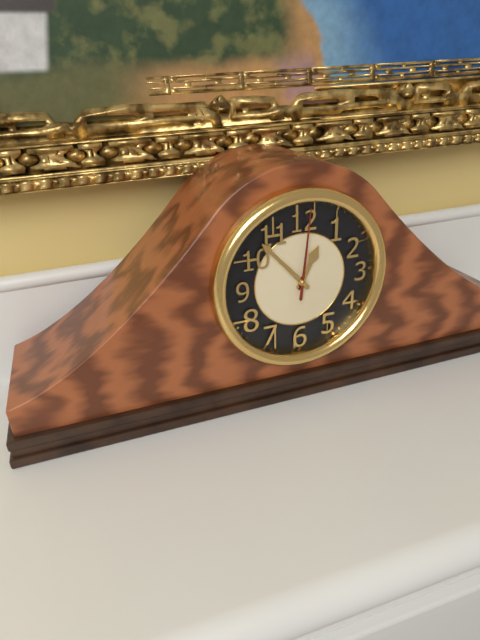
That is **12:53:01**
